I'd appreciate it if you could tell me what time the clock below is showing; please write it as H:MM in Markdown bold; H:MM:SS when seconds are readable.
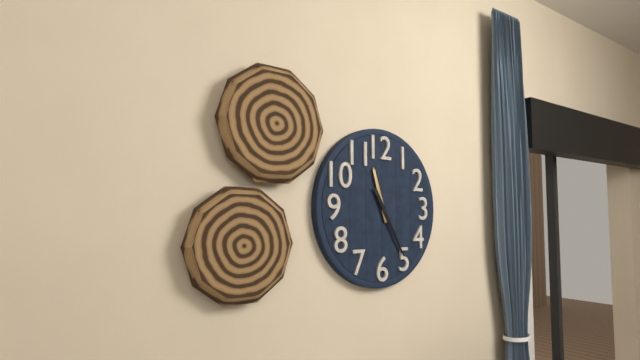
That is **11:25**
